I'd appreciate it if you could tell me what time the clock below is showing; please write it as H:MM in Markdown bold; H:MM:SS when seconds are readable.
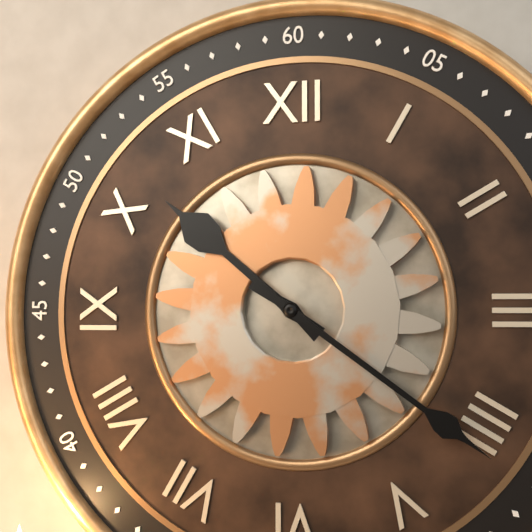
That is **10:21**
